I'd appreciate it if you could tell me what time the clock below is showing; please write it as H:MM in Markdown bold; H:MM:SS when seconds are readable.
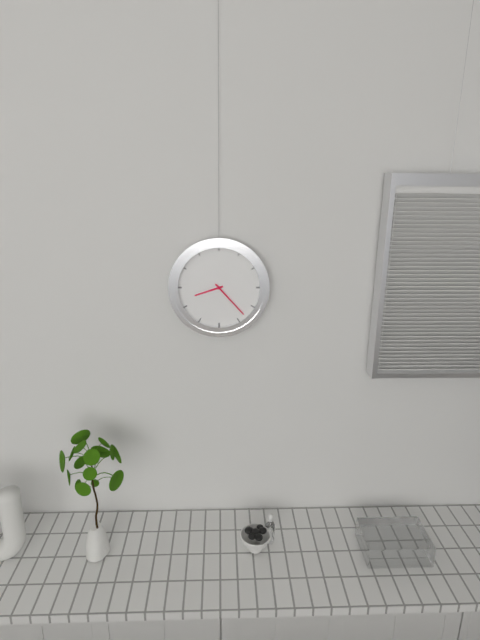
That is **8:23**
